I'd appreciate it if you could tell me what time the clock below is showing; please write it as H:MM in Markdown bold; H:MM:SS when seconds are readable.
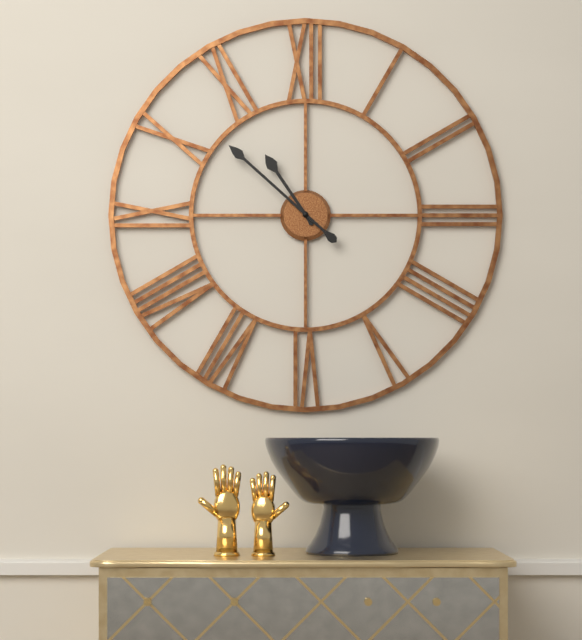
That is **10:52**
